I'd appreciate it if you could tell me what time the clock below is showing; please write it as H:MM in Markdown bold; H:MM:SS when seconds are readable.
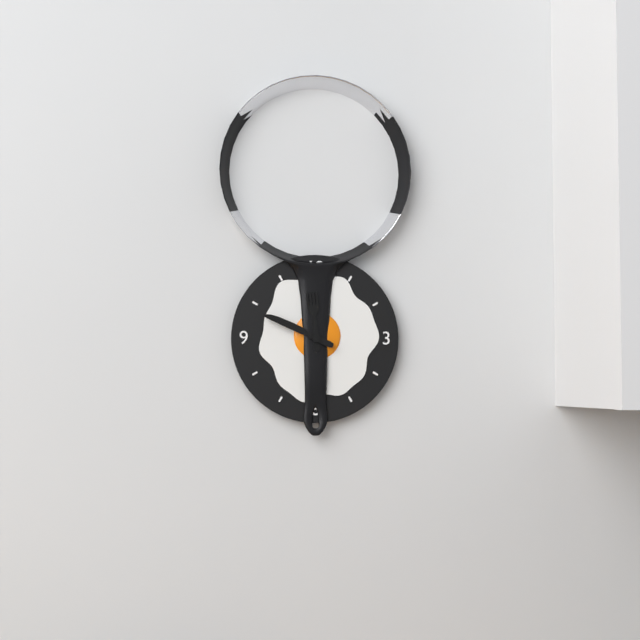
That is **11:49**
